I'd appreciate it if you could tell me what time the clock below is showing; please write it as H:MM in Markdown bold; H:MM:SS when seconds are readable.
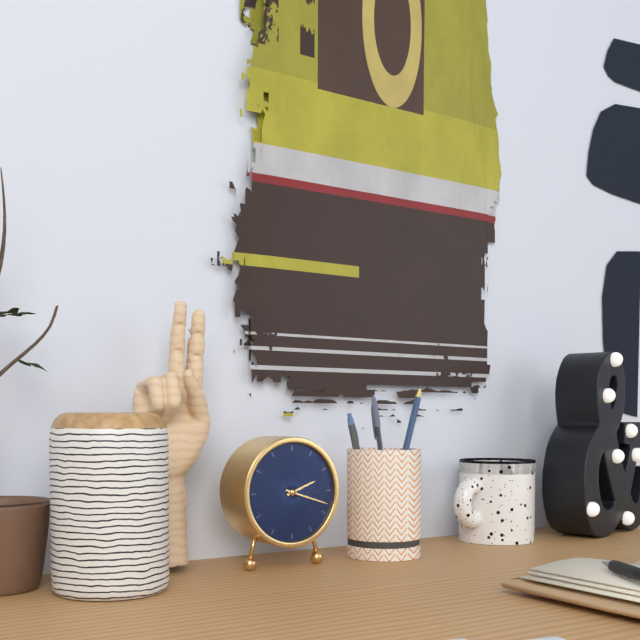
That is **2:18**
